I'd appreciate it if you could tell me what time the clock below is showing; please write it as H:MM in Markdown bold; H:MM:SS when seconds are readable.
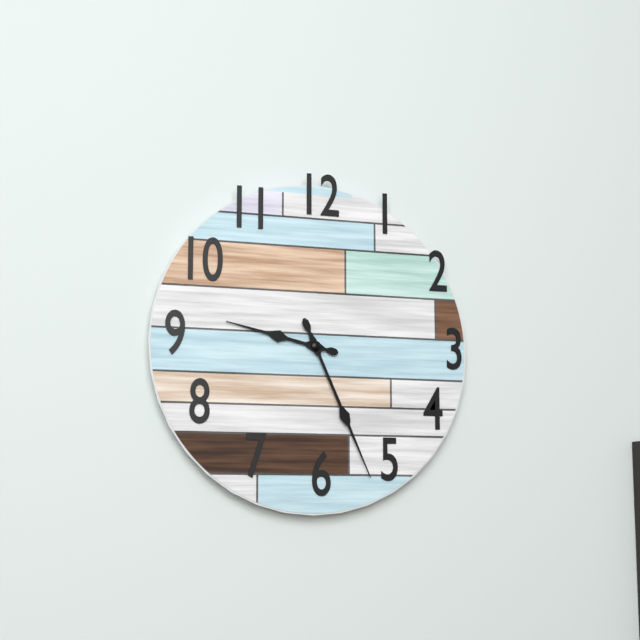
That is **9:26**
